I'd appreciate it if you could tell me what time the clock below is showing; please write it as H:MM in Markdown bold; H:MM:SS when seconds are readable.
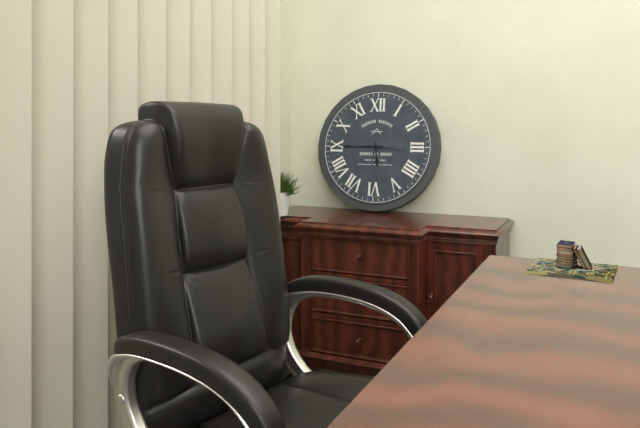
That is **5:45**
